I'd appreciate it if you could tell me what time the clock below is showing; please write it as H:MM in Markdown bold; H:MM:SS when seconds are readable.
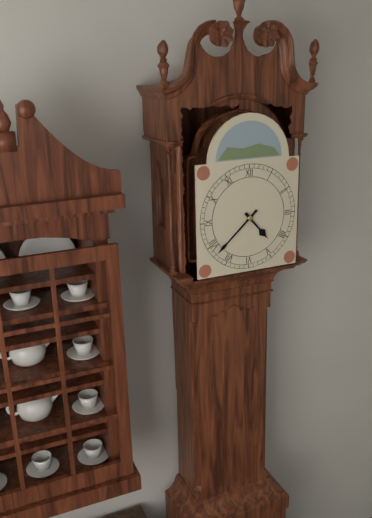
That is **4:38**
